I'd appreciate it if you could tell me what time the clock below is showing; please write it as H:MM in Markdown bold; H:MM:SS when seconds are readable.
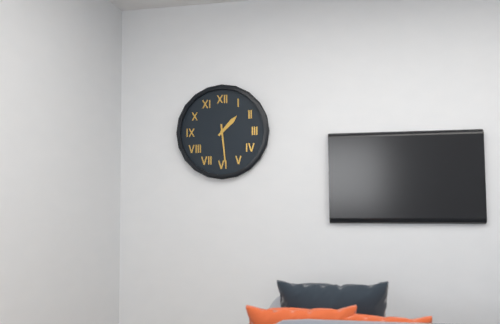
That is **1:29**
